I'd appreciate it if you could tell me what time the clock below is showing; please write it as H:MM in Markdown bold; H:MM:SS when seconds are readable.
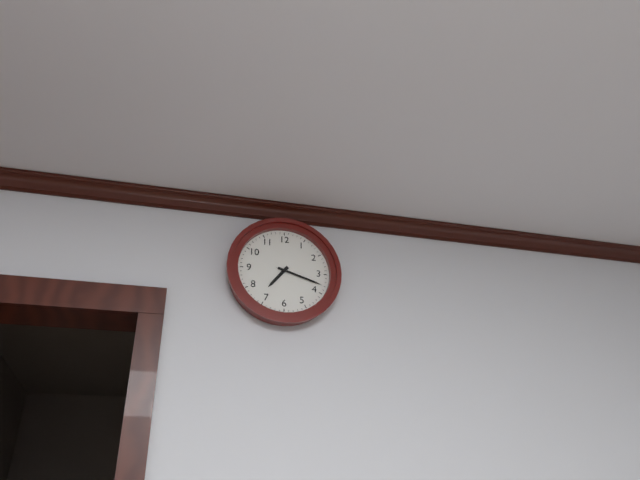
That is **7:18**
